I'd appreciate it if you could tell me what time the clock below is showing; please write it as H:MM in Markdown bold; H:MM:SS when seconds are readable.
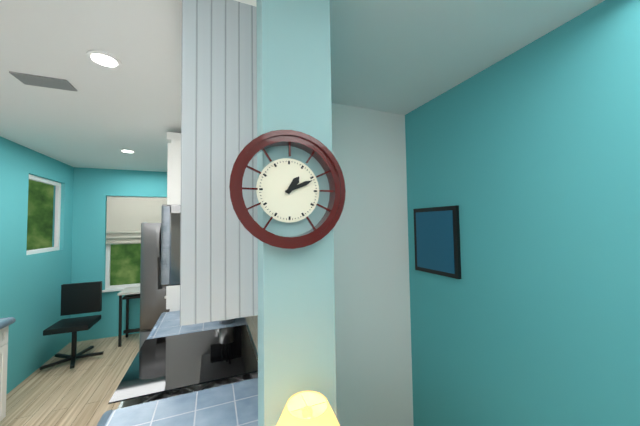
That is **1:11**
